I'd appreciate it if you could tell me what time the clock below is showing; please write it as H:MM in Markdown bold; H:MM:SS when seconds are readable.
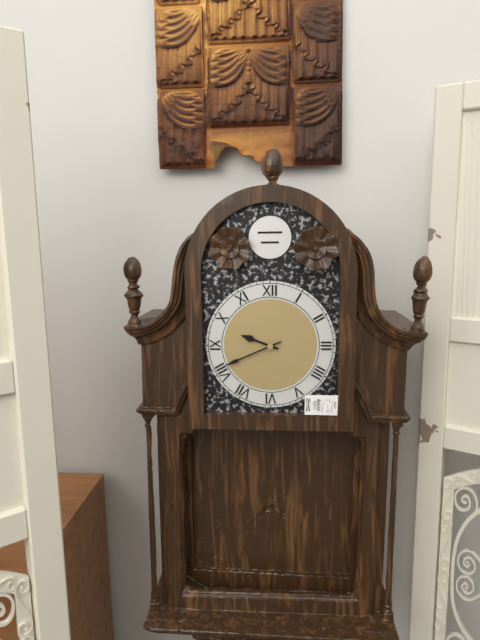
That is **9:41**
